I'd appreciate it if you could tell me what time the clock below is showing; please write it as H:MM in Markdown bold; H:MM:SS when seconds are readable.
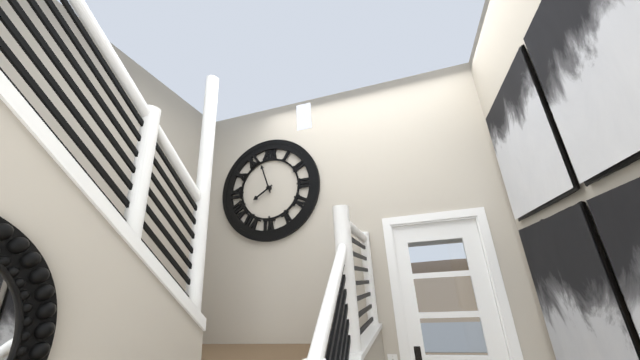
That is **7:57**
